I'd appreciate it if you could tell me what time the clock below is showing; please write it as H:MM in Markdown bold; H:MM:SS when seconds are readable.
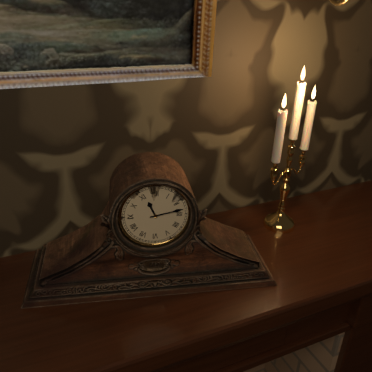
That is **11:13**
